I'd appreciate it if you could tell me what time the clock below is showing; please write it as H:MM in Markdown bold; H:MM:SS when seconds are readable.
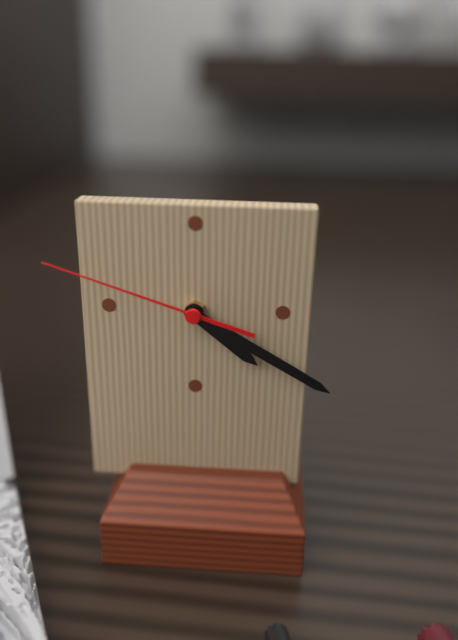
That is **4:20:48**
